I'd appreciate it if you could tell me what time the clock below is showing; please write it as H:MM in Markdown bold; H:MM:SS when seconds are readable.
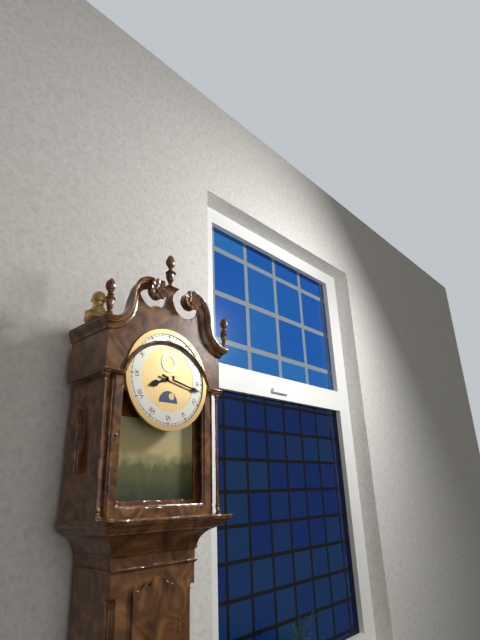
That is **8:17**
